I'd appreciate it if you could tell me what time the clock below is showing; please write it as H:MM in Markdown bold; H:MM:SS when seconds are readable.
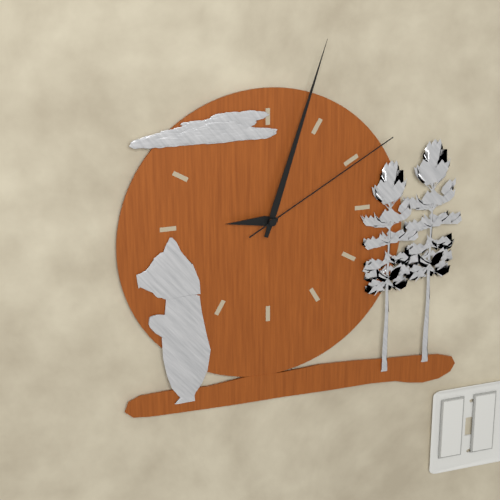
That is **9:03:10**
